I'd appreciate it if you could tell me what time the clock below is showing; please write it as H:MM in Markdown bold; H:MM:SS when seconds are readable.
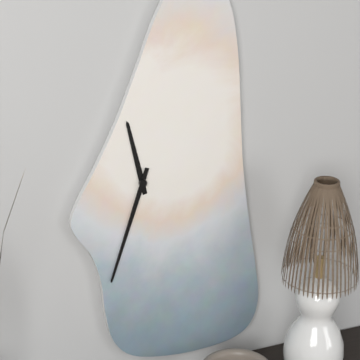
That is **11:33**
